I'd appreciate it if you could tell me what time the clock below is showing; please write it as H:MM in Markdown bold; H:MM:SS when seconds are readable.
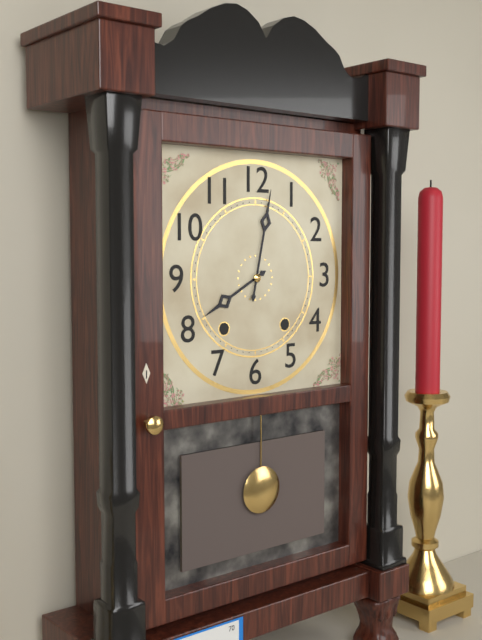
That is **8:02**
